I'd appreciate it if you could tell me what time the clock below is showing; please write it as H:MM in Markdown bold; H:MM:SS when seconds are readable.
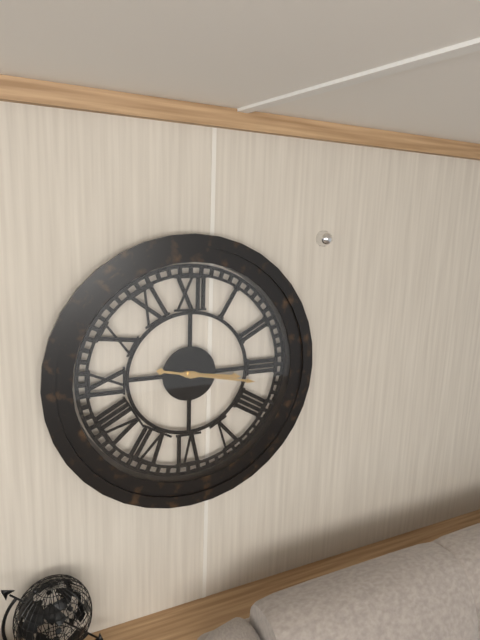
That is **3:17**
